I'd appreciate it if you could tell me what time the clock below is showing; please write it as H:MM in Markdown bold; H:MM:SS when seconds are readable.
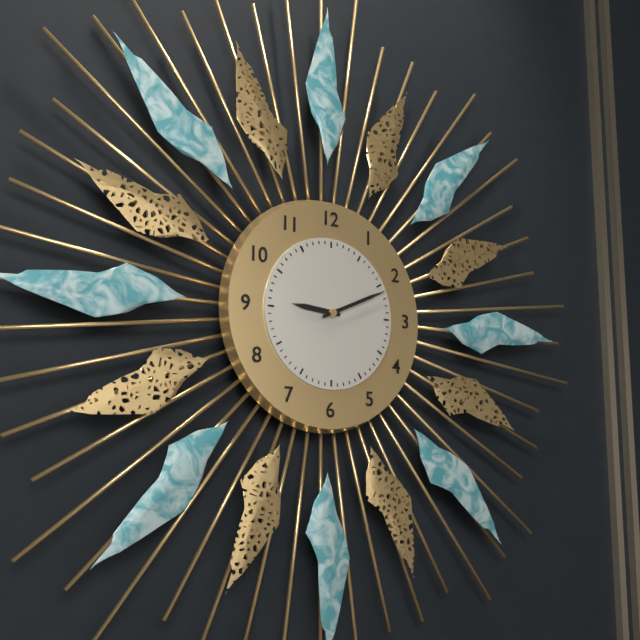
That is **9:11**
